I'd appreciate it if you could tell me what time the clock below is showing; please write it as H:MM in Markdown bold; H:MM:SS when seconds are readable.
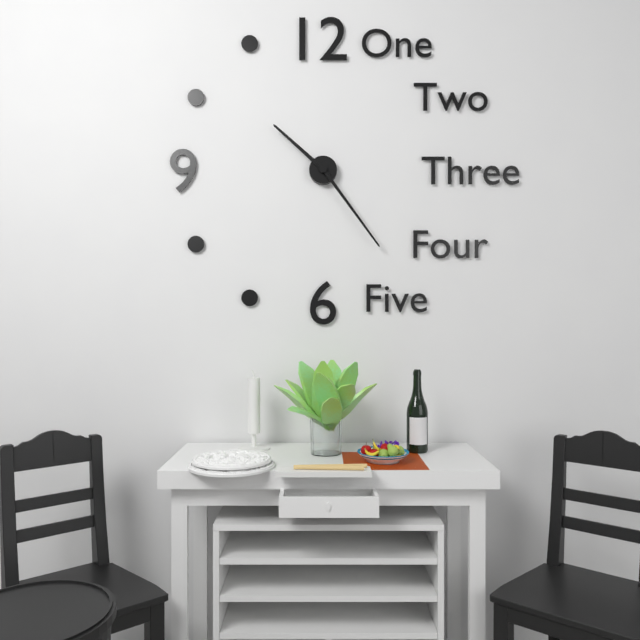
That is **10:24**
